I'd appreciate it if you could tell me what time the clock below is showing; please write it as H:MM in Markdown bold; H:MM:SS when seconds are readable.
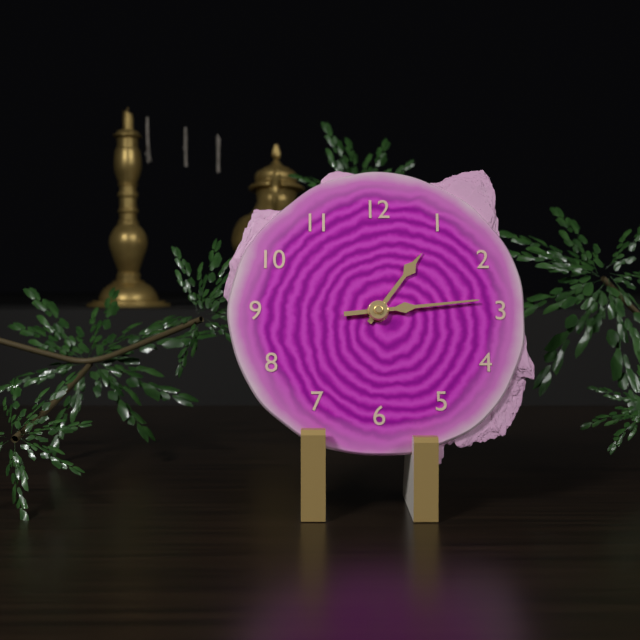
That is **1:14**
